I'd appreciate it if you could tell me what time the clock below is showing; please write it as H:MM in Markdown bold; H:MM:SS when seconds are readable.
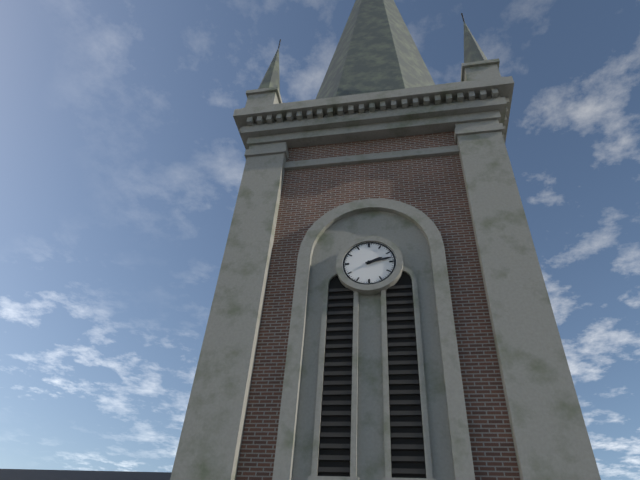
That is **2:13**
